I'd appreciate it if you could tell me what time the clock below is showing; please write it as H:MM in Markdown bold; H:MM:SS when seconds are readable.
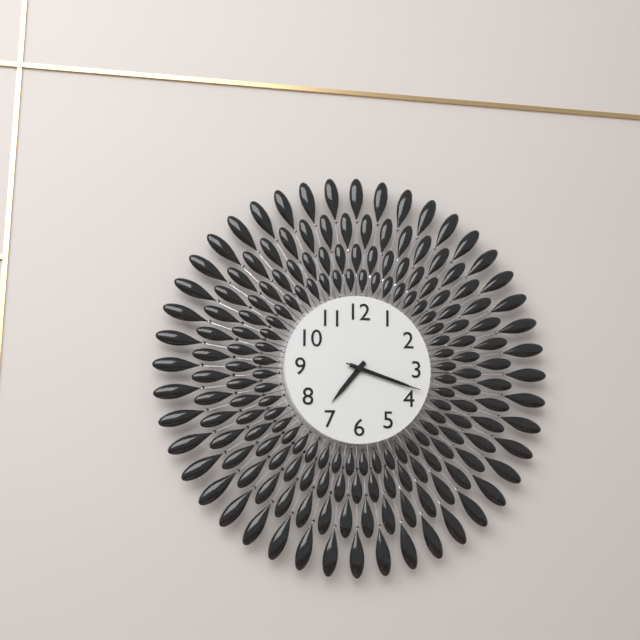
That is **7:18:18**
